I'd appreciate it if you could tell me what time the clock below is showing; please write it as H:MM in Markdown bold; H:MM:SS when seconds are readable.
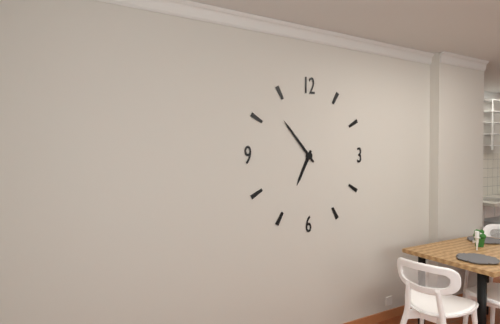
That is **6:53**
